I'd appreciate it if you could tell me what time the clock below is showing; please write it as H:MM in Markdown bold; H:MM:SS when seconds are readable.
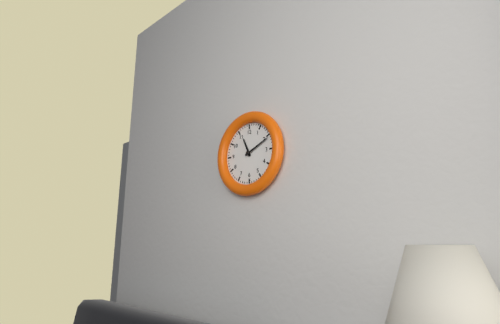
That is **11:11**
